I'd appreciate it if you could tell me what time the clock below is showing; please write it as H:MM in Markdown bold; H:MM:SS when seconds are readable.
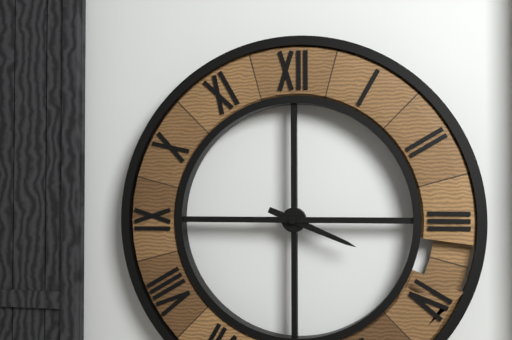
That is **3:45**
